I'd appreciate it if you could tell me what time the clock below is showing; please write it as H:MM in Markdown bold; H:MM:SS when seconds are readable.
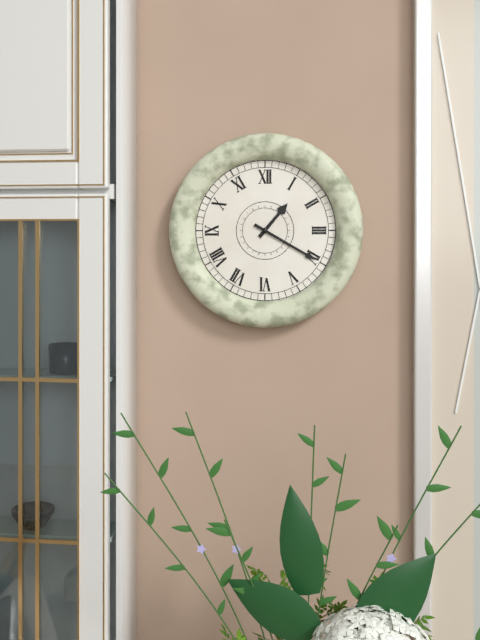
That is **1:20**
